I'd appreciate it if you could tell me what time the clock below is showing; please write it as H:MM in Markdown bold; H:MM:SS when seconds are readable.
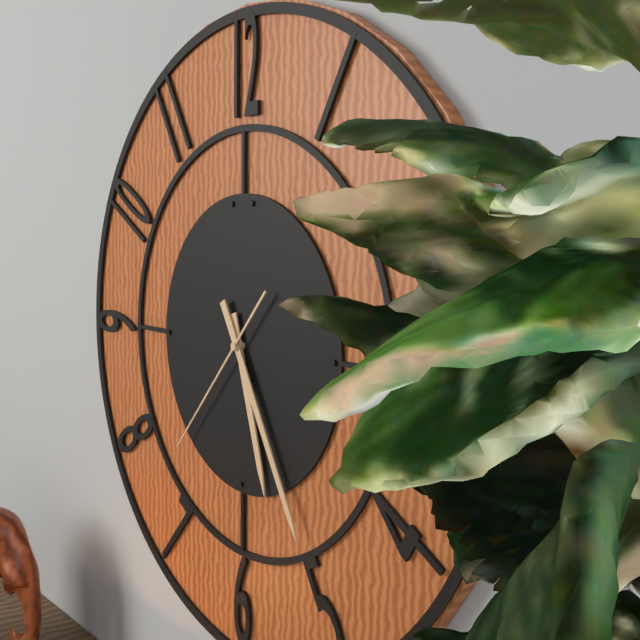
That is **5:25:37**
